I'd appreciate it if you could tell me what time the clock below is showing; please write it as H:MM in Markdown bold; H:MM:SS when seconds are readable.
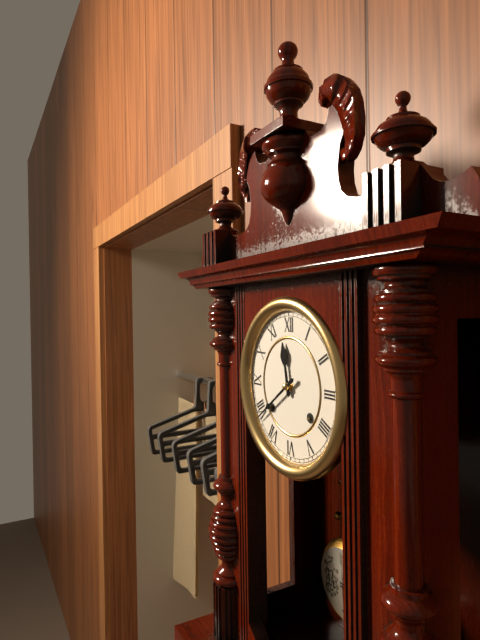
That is **11:39**
